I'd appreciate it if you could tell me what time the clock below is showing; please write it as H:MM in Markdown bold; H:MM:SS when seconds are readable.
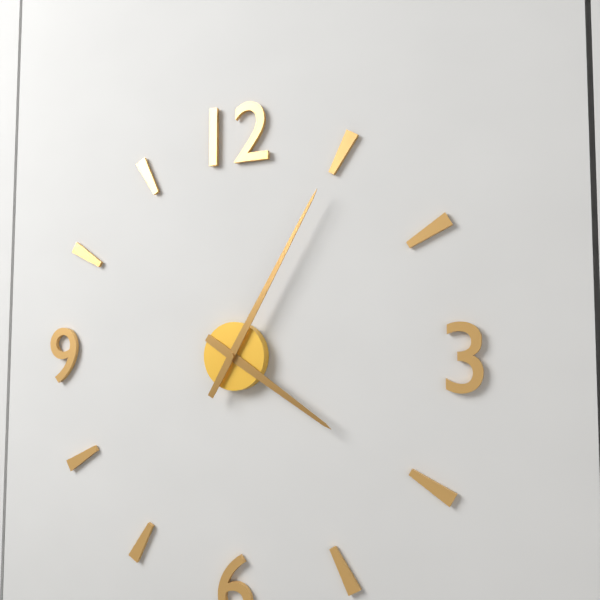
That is **4:05**
